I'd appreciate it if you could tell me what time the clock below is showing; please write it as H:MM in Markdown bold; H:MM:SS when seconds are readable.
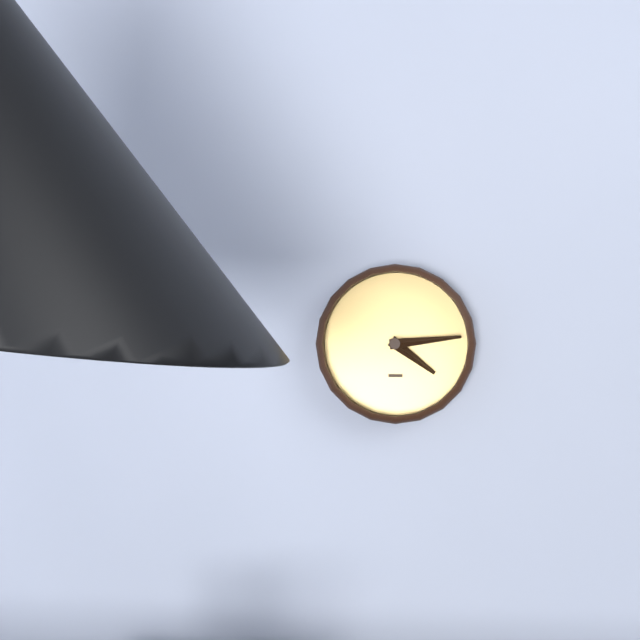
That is **4:14**
